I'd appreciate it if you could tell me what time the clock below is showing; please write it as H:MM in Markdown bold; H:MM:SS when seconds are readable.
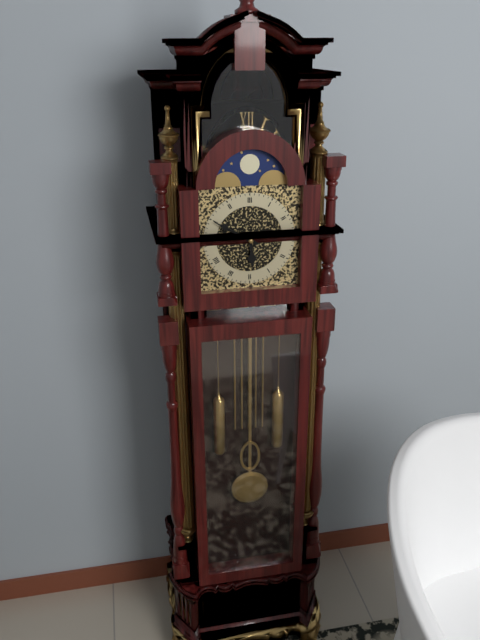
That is **5:50**
